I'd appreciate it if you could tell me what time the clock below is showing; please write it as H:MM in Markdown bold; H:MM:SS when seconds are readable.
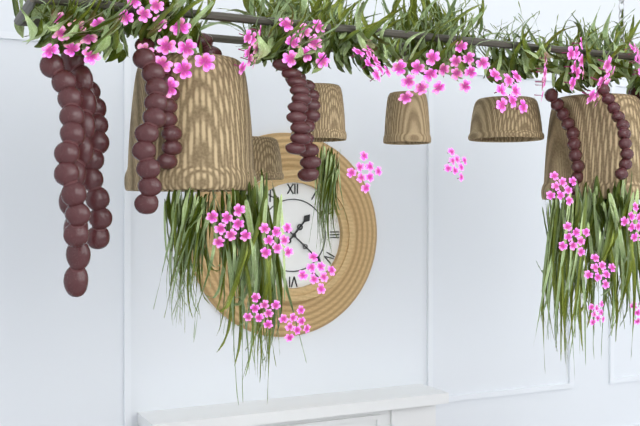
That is **1:22**
